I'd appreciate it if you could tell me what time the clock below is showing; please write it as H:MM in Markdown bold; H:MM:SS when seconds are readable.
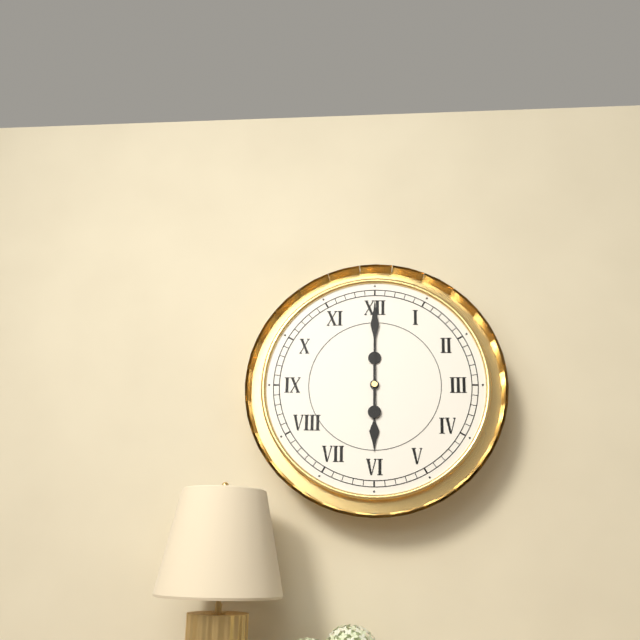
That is **6:00**
